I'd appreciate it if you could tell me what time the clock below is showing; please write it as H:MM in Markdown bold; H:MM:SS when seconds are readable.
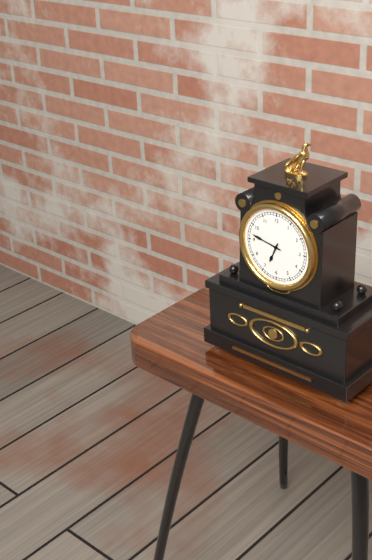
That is **6:47**
